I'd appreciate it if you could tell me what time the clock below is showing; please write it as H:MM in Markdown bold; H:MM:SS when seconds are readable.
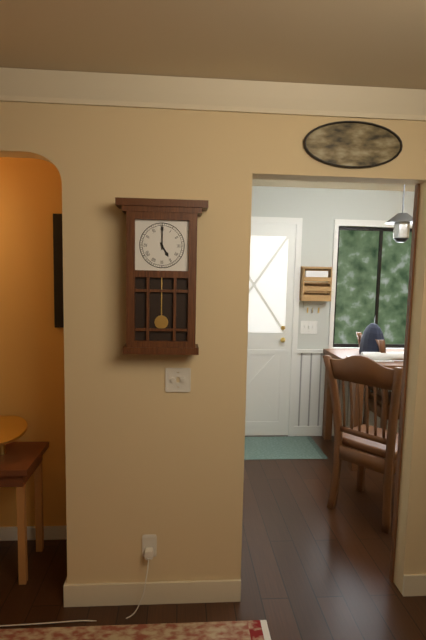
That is **5:00**
